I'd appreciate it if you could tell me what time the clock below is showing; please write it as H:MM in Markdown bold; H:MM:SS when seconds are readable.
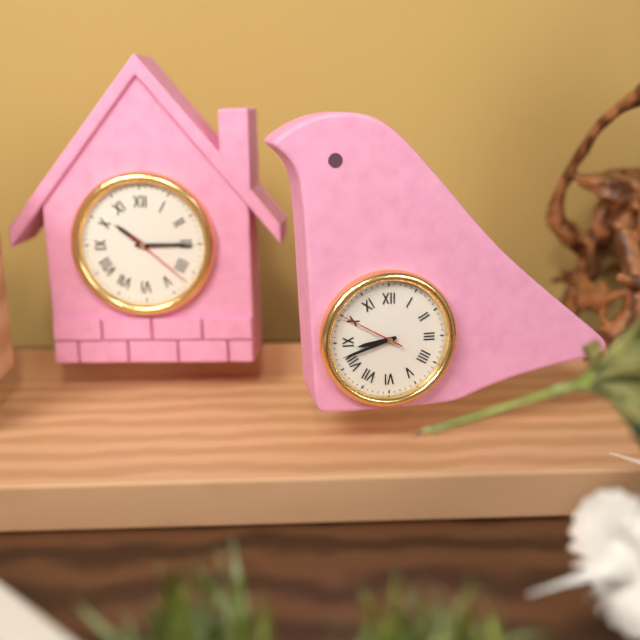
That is **8:42:50**
